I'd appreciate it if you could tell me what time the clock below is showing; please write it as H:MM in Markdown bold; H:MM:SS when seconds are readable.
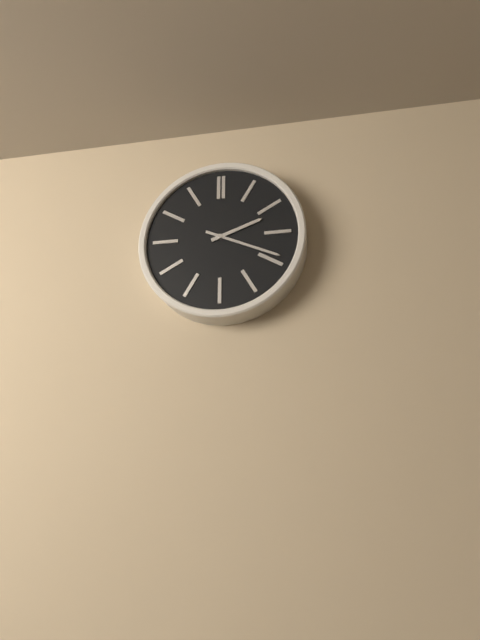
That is **2:19**
